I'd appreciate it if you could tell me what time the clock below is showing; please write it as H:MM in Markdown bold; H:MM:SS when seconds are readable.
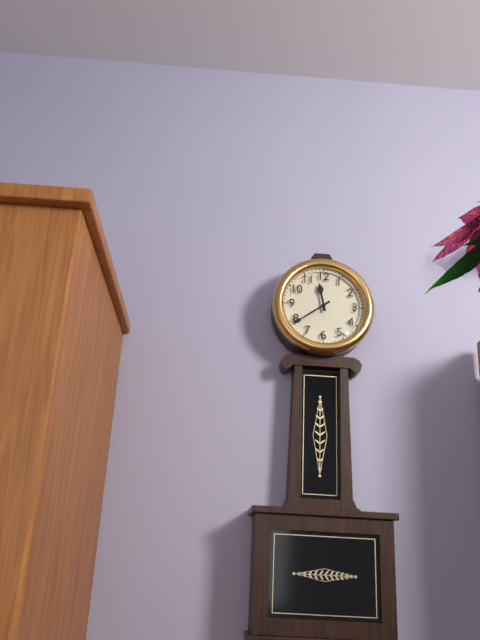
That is **11:39**
